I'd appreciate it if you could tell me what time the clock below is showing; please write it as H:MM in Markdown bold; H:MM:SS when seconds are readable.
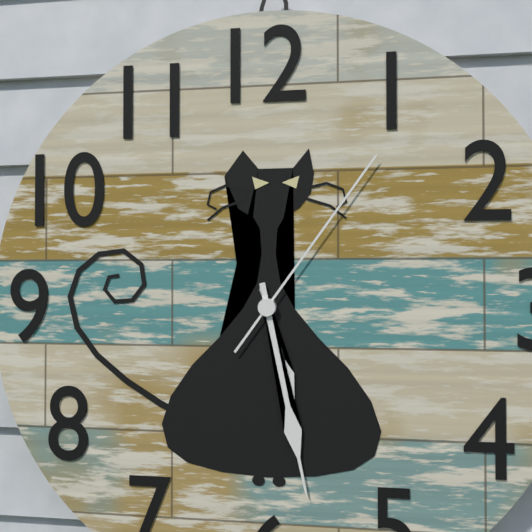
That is **5:28:06**
